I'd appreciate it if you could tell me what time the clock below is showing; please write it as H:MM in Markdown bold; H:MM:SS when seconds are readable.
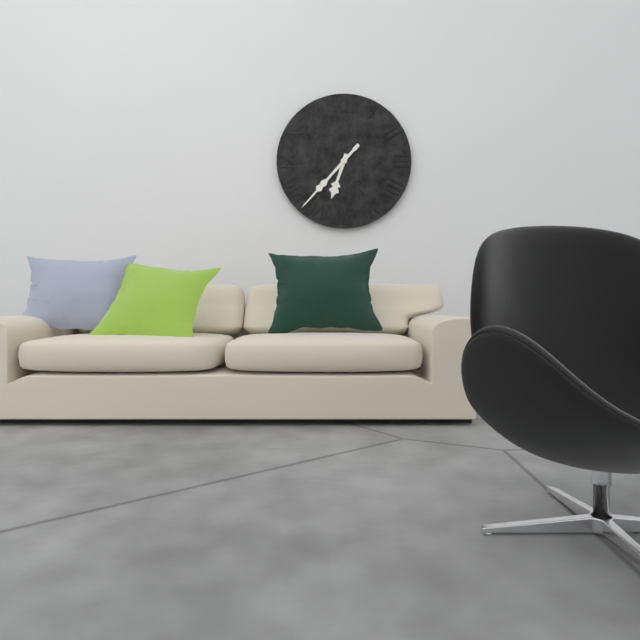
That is **6:37**
